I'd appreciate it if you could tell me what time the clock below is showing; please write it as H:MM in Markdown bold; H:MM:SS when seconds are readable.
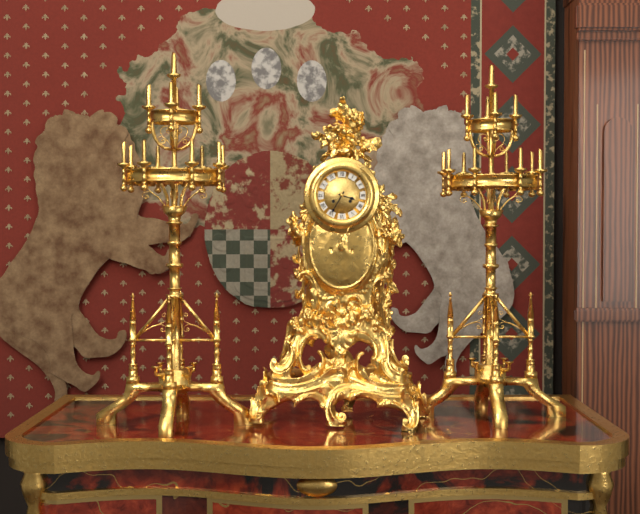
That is **3:35**
